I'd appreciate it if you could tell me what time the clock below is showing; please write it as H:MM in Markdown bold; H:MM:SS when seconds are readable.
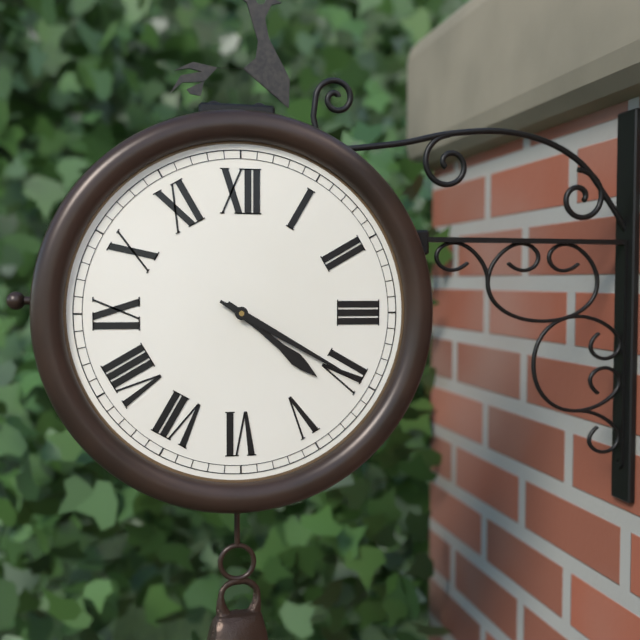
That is **4:20**
